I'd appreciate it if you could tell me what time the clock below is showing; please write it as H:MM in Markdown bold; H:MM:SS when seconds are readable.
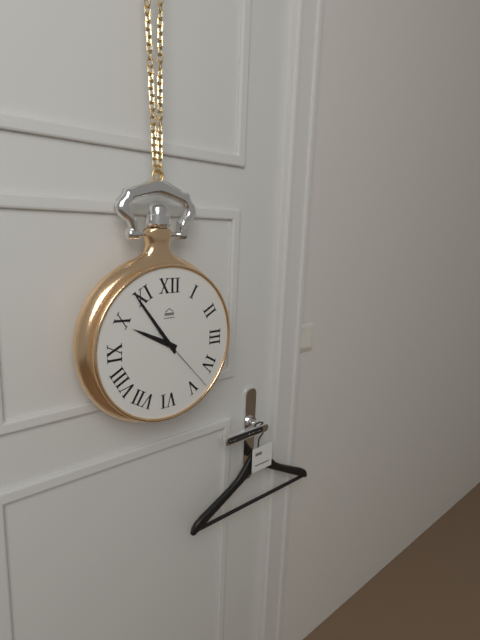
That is **9:54:23**
